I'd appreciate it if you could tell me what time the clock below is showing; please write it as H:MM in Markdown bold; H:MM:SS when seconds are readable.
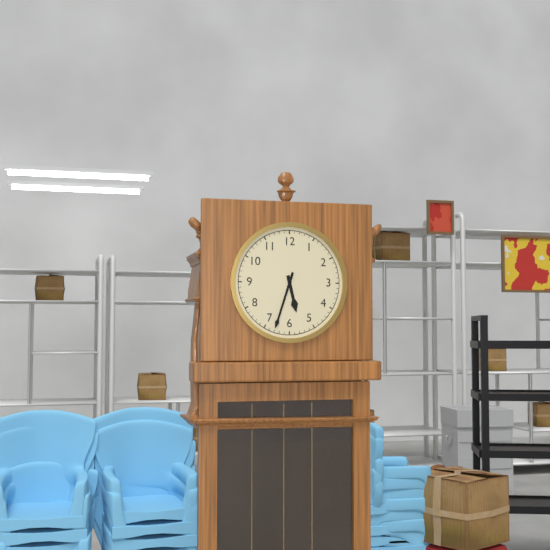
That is **5:33**
